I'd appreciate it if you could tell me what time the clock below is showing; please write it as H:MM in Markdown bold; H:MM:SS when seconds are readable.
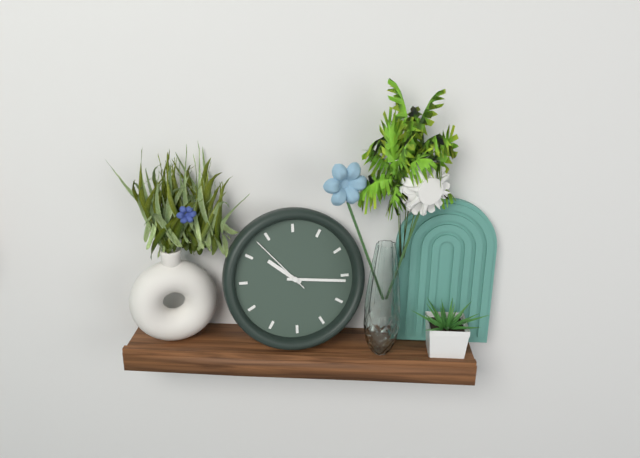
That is **10:16:53**
